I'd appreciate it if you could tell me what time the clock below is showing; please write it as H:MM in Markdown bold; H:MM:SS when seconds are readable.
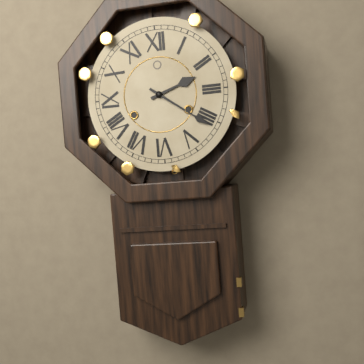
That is **2:21**
